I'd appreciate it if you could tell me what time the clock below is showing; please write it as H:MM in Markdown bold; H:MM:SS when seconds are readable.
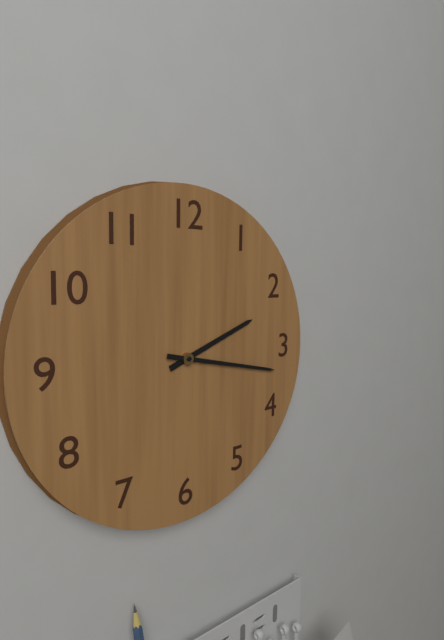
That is **2:17**
